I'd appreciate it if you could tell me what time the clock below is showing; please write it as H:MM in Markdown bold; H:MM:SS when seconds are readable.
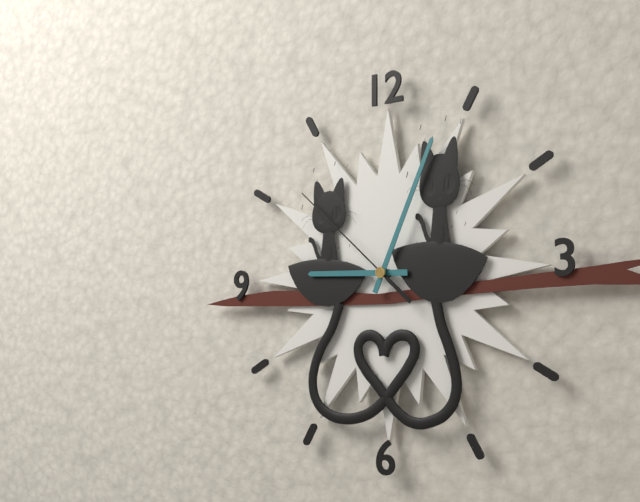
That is **9:04:52**
